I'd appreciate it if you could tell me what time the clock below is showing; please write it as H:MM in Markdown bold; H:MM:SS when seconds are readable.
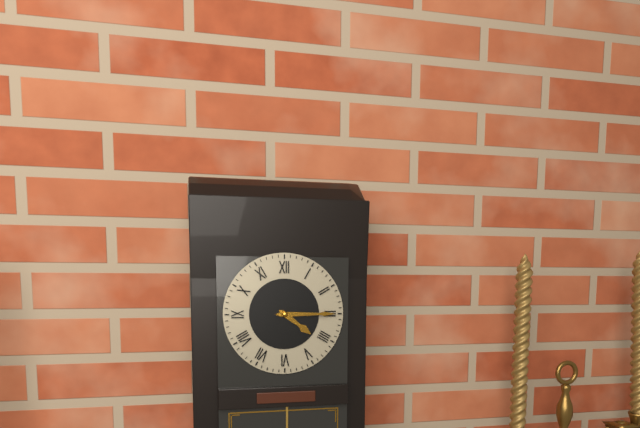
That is **4:15**
